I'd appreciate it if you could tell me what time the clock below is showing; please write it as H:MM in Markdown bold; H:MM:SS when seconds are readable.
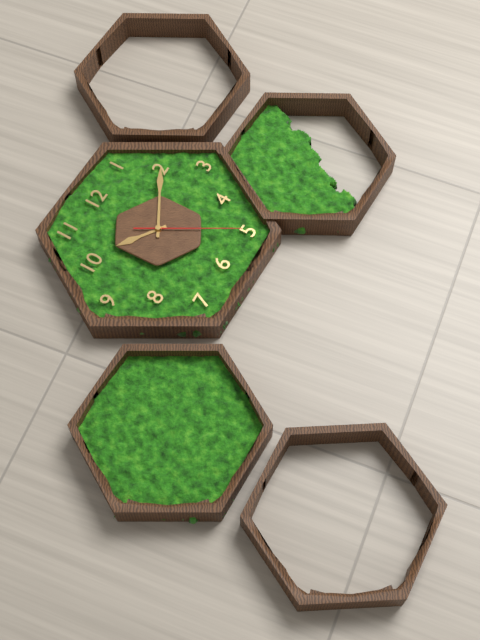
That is **10:10:25**
